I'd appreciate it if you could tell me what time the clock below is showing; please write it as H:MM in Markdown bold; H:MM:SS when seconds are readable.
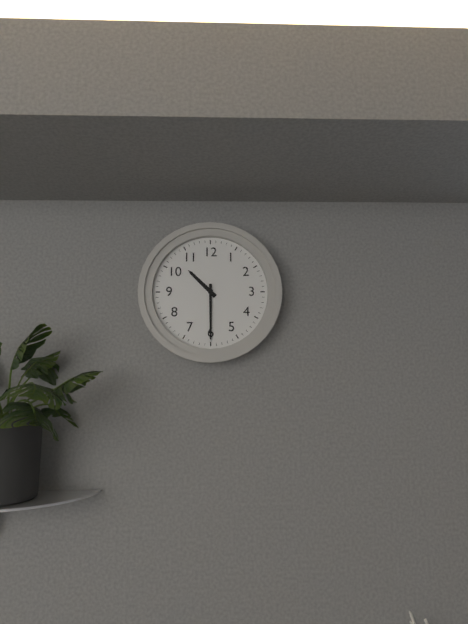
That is **10:30**
